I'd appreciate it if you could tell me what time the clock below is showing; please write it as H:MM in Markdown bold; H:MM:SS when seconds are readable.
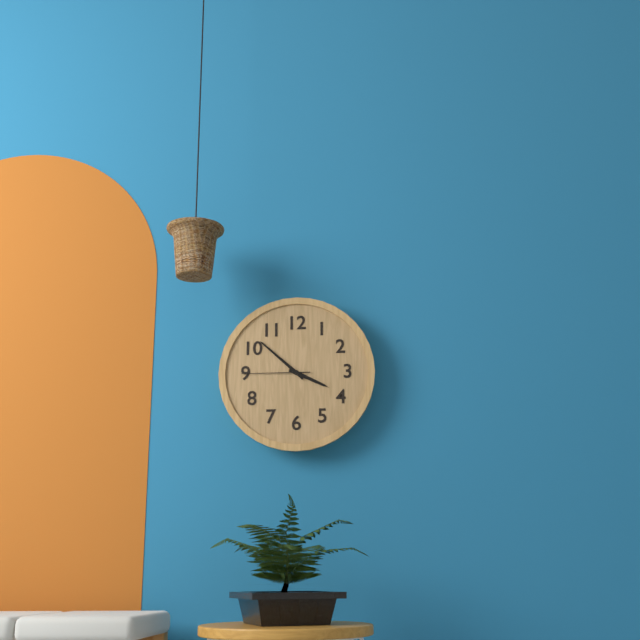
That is **3:52:45**
